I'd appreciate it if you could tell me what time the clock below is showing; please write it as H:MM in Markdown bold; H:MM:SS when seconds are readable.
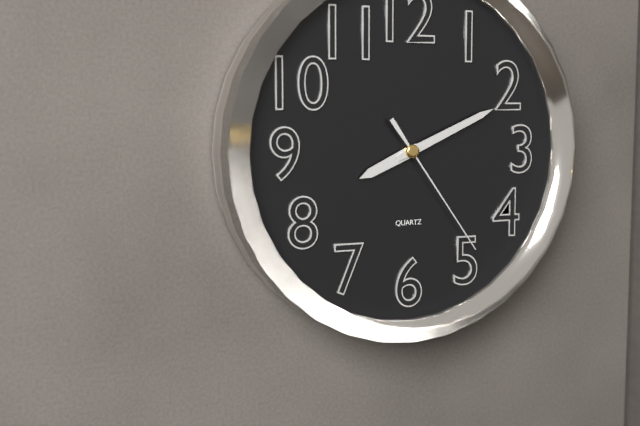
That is **8:11:24**
